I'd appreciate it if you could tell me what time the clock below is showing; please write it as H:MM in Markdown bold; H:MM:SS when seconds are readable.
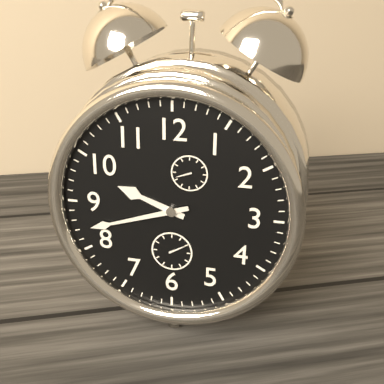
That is **9:42**
